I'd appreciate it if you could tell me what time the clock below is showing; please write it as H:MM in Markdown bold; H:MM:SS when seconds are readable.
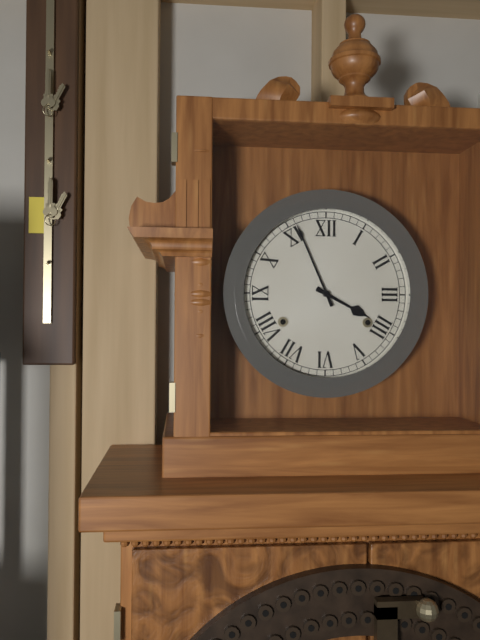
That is **3:56**
